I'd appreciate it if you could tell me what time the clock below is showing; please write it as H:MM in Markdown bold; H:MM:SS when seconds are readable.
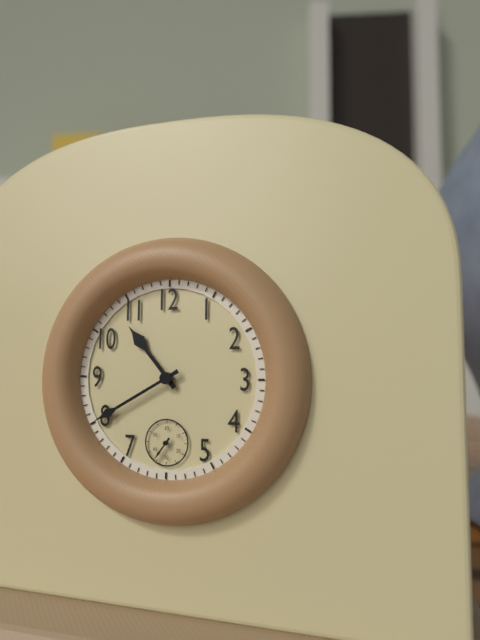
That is **10:40**
